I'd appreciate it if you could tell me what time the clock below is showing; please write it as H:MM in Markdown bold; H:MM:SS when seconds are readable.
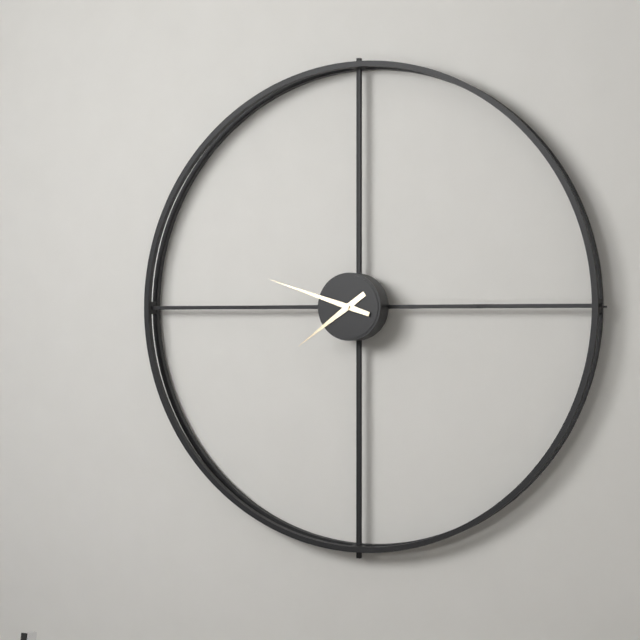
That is **7:48**
